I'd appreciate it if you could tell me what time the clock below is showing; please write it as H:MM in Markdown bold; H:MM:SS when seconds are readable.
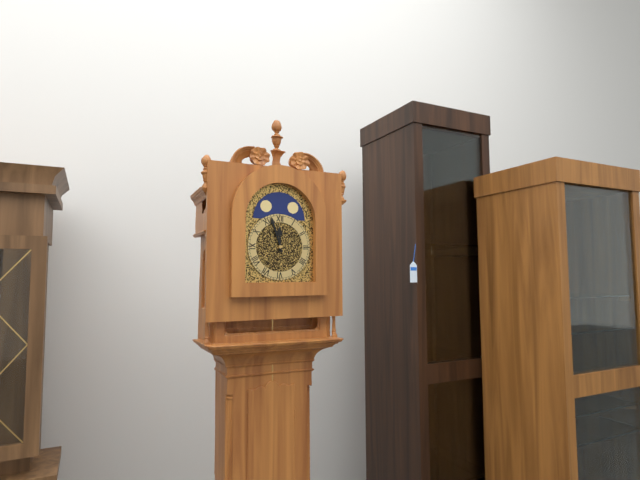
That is **11:57**
